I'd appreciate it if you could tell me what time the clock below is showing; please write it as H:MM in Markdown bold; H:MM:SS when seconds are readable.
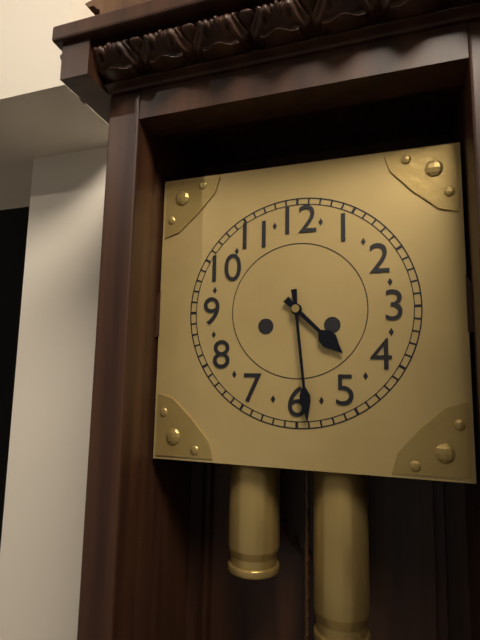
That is **4:29**
